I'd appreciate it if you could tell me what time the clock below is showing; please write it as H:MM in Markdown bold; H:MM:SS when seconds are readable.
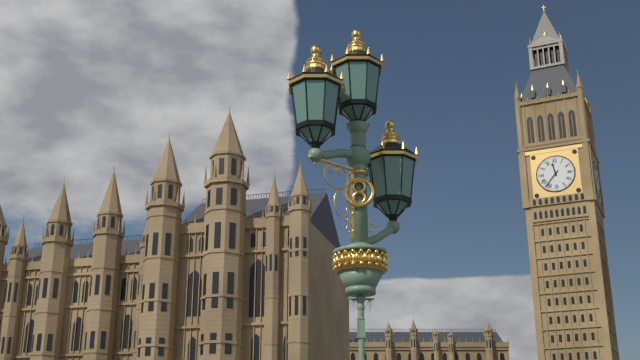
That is **11:37**
